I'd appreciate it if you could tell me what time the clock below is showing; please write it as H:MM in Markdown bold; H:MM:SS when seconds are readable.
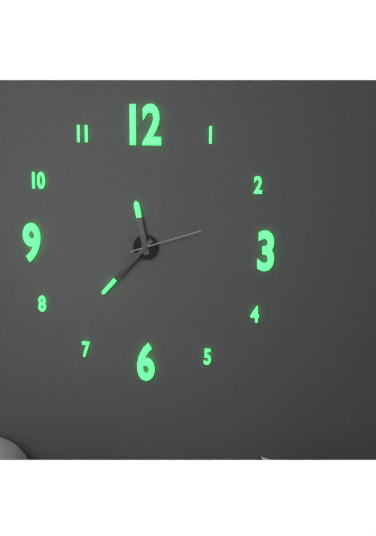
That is **11:37:12**
